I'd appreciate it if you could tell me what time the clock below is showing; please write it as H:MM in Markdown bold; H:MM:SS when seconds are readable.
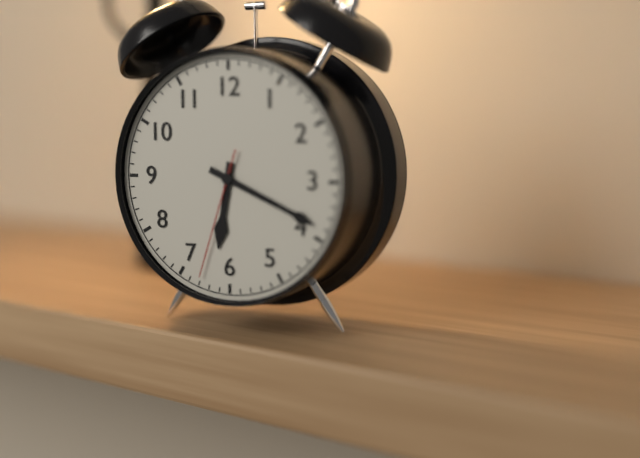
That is **6:19:33**
